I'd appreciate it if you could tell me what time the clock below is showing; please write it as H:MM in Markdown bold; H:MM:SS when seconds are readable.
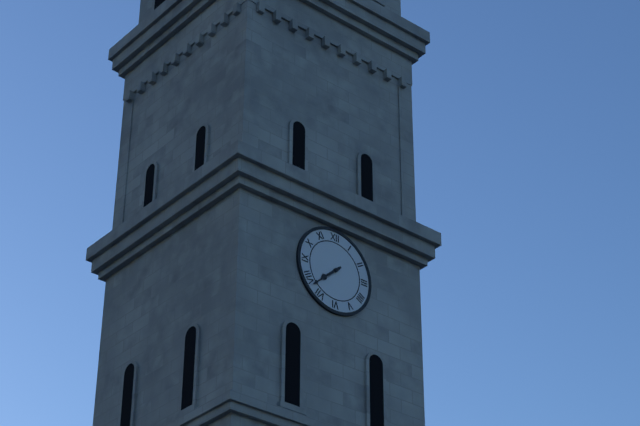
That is **7:38**
